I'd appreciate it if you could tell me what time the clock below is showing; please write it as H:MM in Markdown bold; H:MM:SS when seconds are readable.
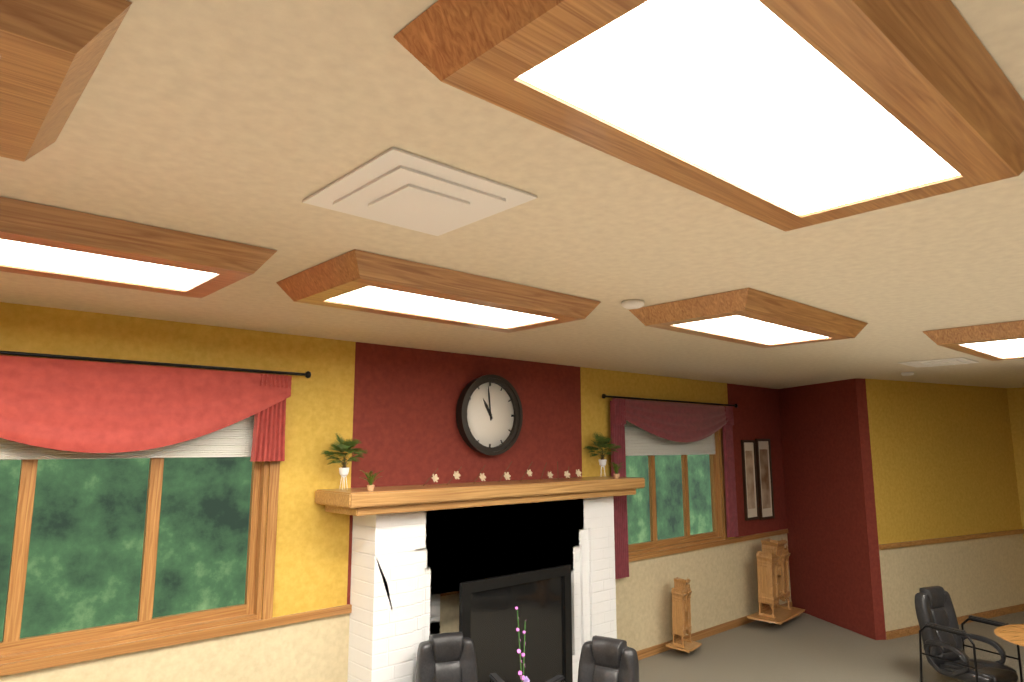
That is **10:59**
